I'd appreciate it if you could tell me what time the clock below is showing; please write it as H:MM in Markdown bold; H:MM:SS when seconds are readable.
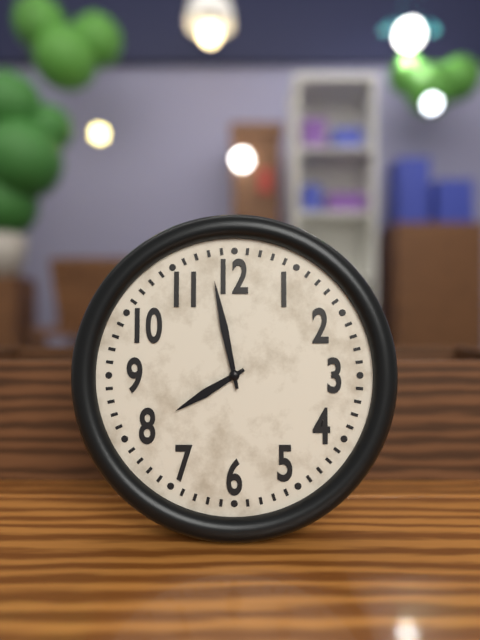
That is **7:58**
